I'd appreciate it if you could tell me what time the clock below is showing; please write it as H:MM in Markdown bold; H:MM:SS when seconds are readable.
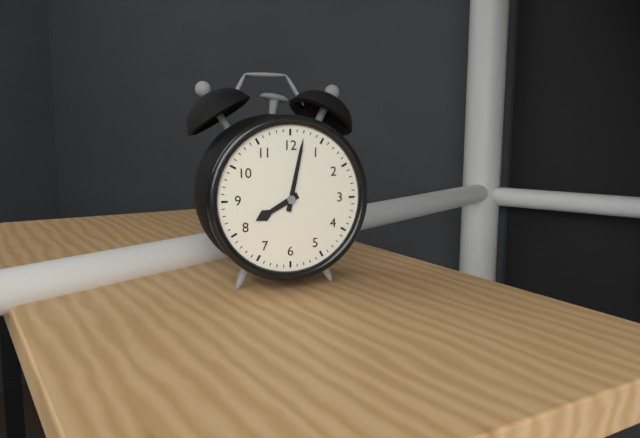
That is **8:02**
